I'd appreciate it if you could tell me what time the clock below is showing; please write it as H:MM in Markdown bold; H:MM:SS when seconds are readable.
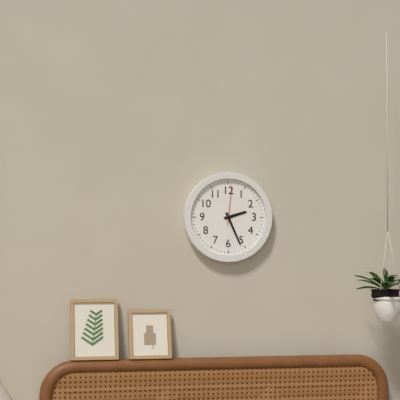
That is **2:26**
